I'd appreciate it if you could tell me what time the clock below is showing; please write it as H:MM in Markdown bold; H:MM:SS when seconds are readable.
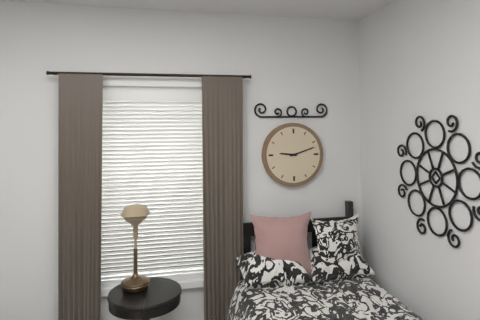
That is **9:12**
